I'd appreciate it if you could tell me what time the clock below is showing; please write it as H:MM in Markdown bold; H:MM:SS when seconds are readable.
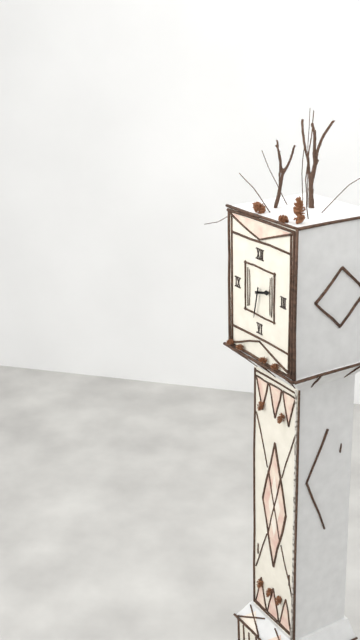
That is **2:32**
